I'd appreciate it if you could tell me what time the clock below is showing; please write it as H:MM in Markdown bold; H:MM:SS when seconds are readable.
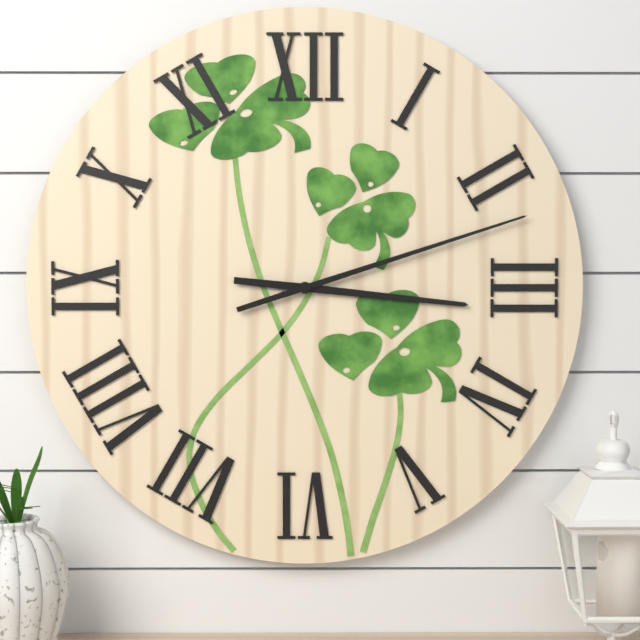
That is **3:12**
